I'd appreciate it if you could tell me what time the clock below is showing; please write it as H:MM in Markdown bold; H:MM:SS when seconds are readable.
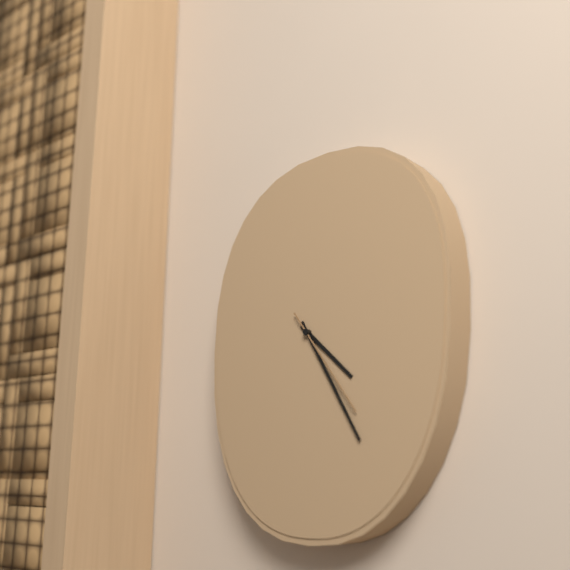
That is **4:25:24**
